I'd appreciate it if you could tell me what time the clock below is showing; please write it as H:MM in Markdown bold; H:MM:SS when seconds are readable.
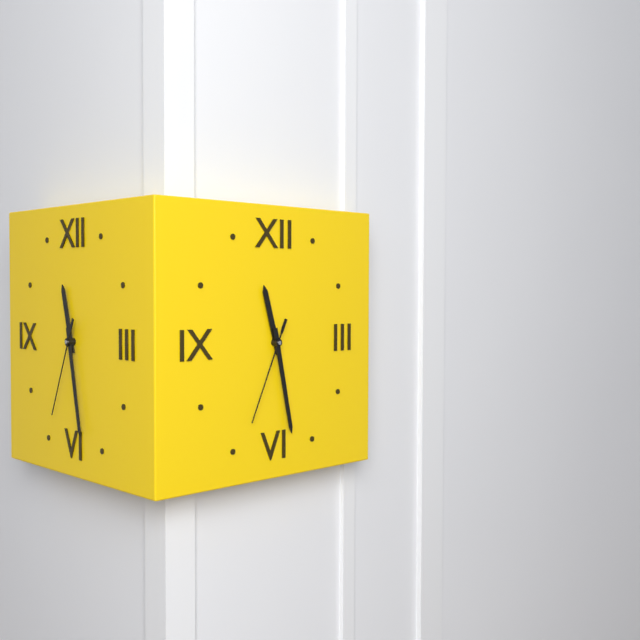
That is **11:28:34**
